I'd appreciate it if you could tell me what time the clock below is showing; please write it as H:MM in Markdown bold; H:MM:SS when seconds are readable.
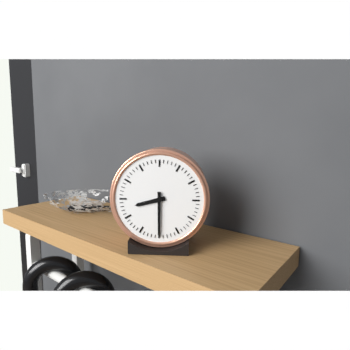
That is **8:30**
